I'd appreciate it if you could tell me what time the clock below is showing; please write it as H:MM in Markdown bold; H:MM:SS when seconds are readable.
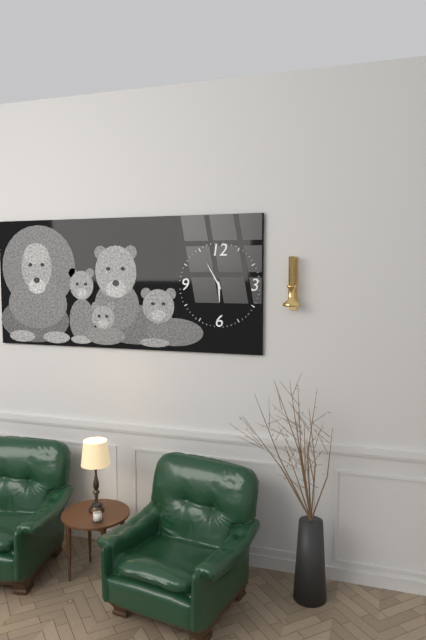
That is **5:55**
